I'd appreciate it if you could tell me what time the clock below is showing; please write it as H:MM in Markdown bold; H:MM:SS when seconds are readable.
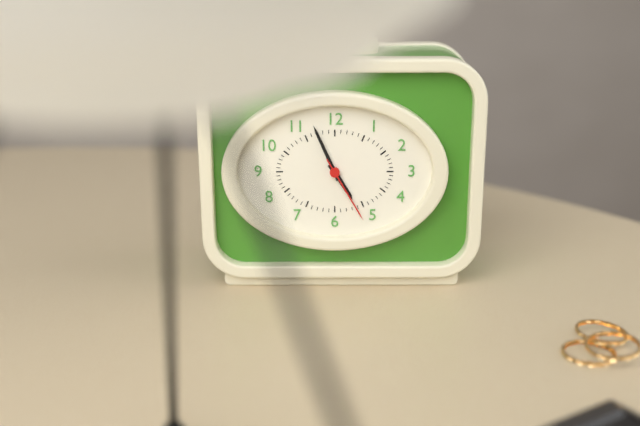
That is **4:56:25**
